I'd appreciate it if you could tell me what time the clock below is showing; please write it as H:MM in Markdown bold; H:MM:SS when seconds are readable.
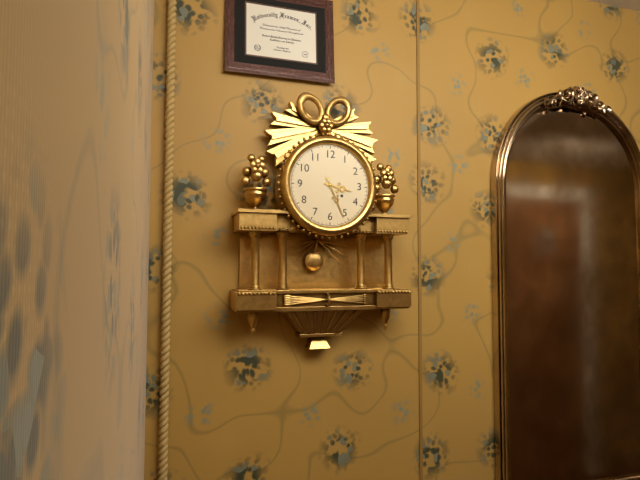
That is **3:26**
